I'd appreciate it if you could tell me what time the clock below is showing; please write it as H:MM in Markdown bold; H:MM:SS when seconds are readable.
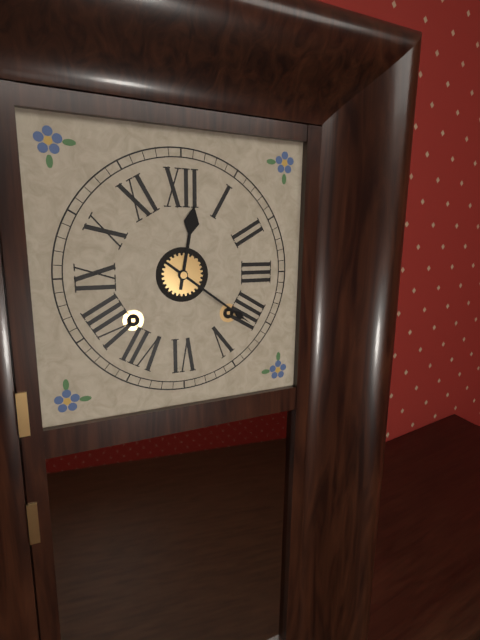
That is **12:21**
